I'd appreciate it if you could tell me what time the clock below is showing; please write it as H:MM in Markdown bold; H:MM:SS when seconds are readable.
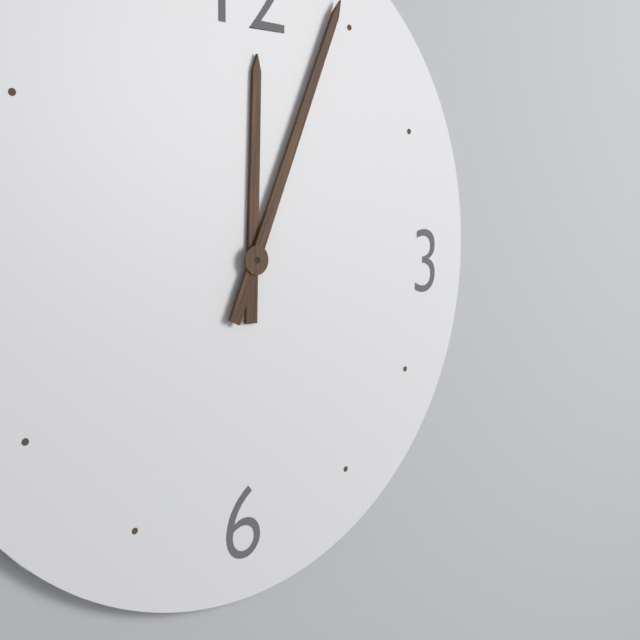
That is **12:04**
